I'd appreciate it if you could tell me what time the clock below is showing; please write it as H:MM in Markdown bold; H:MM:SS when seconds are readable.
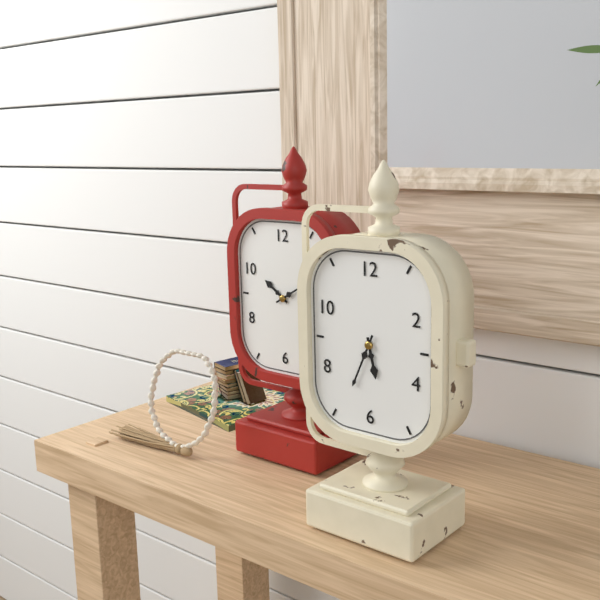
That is **5:34**
